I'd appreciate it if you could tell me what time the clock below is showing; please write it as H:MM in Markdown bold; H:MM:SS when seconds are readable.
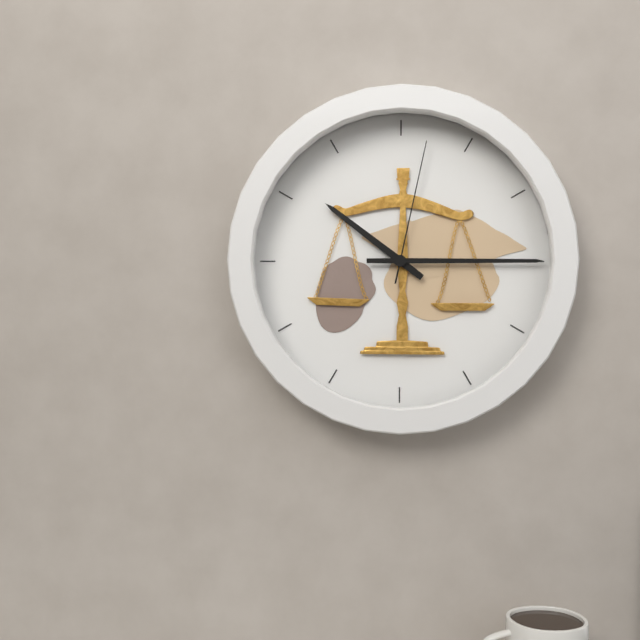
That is **10:15:02**
